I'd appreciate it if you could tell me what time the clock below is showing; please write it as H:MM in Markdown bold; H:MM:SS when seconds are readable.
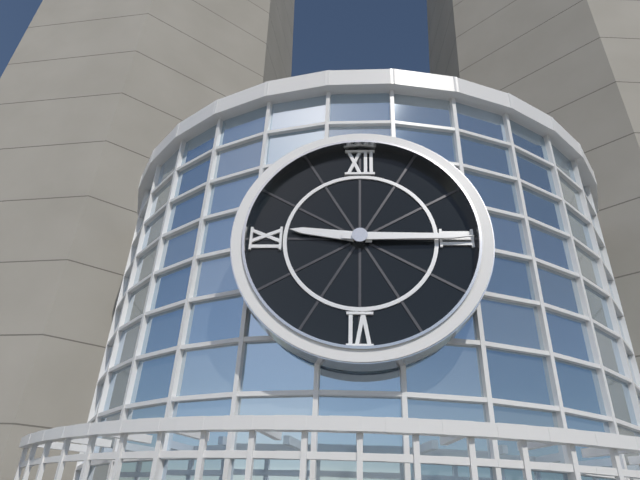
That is **9:15**
